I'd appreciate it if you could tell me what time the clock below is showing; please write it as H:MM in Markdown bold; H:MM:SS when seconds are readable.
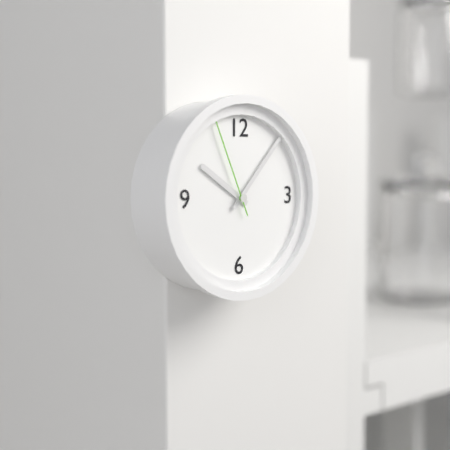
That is **10:07:56**
